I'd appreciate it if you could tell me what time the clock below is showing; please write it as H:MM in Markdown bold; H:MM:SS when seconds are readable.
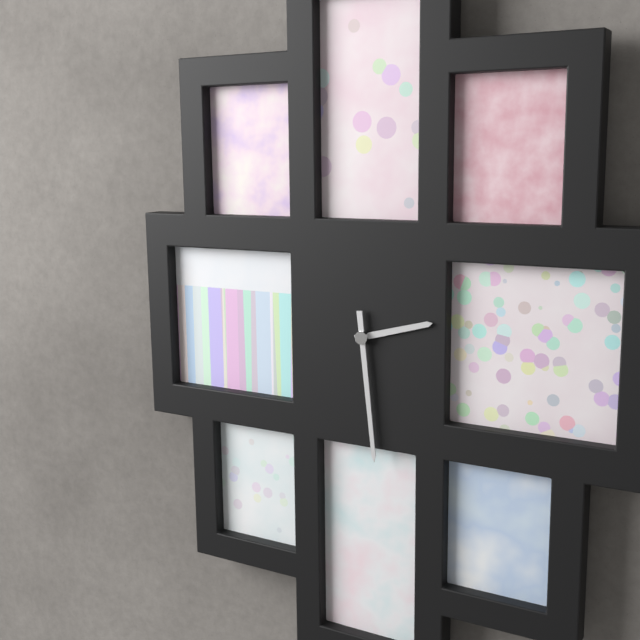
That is **2:29**
